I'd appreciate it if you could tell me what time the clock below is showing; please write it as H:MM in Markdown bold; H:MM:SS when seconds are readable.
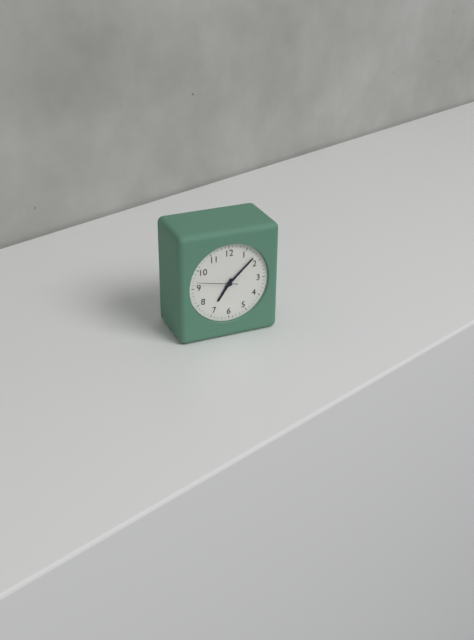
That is **7:08**
